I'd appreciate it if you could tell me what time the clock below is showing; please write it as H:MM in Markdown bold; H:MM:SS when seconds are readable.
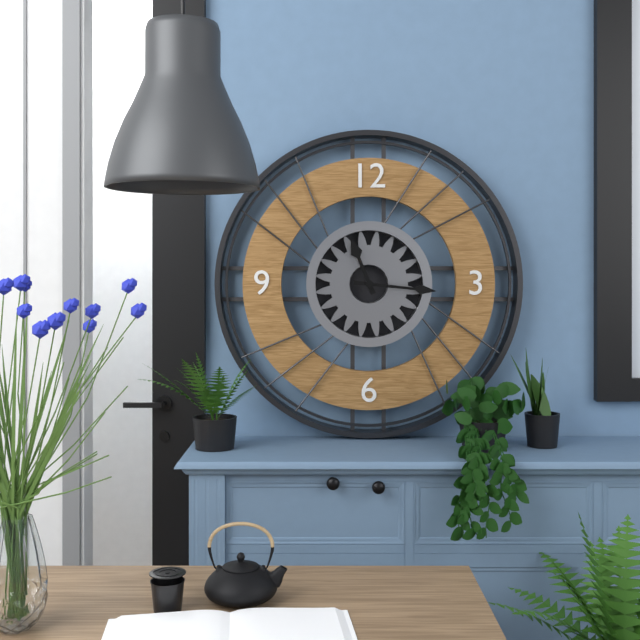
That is **11:16**
